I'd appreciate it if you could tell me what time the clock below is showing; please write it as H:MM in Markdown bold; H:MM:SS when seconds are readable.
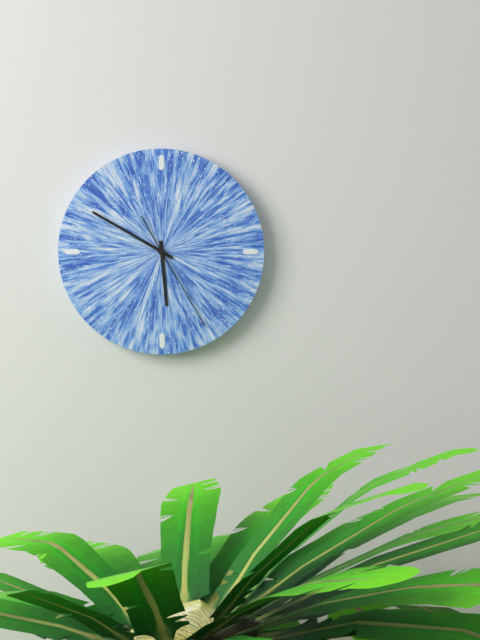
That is **5:50:25**
